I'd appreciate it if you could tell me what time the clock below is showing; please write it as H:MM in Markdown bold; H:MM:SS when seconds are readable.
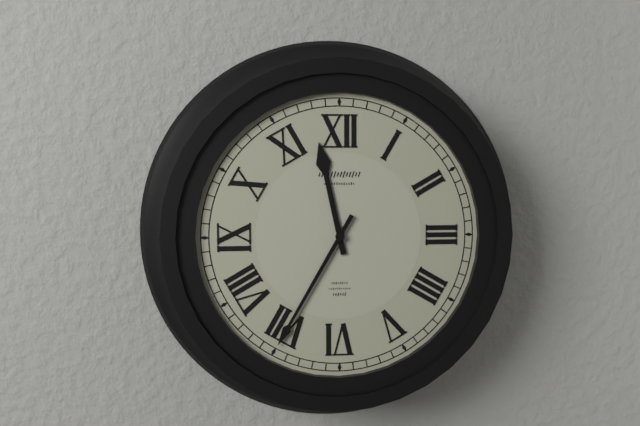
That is **11:35**
